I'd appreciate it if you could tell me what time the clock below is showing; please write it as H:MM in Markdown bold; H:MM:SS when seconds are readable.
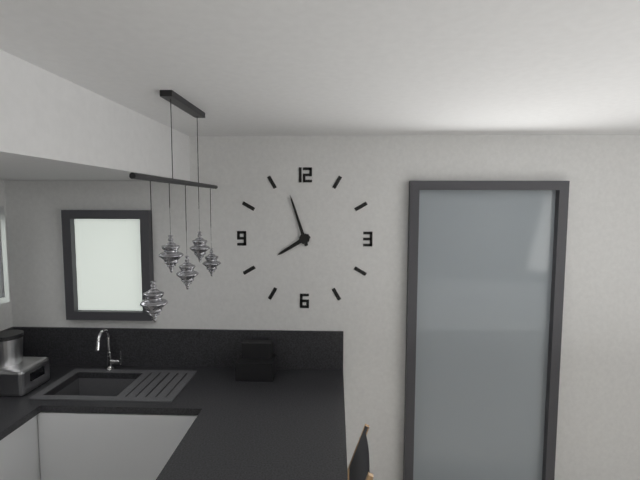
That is **7:57**
